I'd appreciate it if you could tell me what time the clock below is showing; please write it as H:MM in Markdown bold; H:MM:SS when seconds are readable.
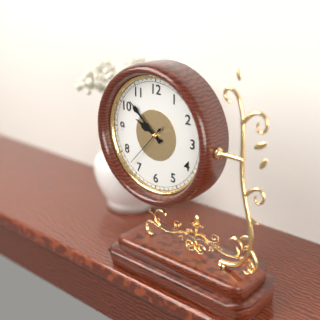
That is **9:52**
